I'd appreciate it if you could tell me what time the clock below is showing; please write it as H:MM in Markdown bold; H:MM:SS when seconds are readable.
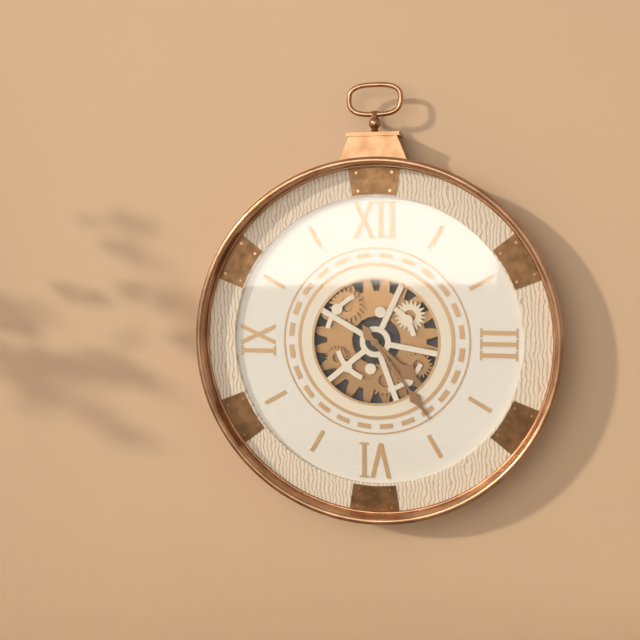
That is **4:24**
